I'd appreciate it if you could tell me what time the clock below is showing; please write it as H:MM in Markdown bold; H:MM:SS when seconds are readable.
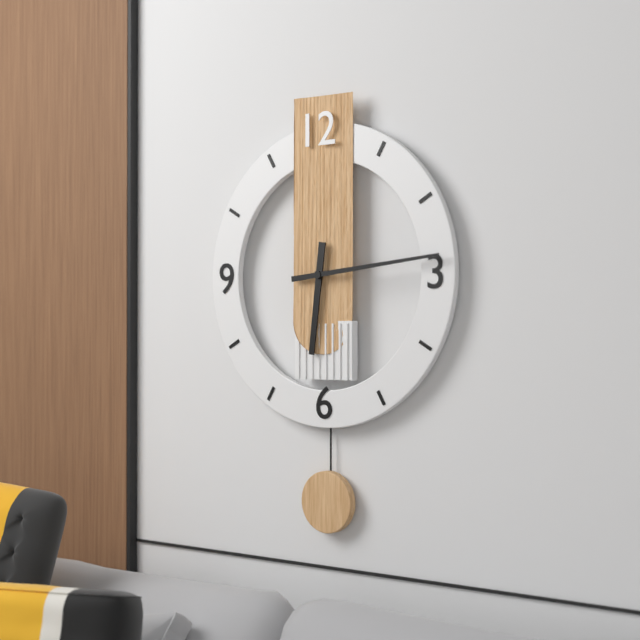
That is **6:14**
